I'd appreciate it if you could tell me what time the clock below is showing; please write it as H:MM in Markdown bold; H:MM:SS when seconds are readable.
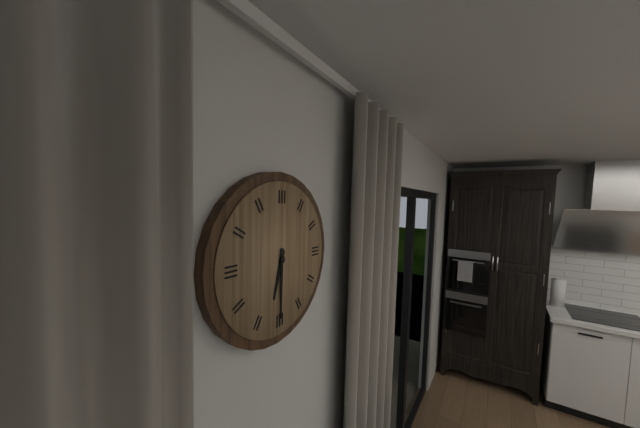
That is **6:30**
